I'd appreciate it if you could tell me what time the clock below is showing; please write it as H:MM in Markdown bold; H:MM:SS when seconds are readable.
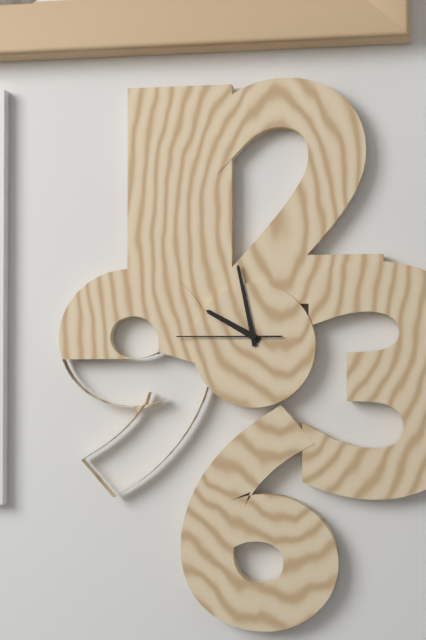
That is **9:58:45**
